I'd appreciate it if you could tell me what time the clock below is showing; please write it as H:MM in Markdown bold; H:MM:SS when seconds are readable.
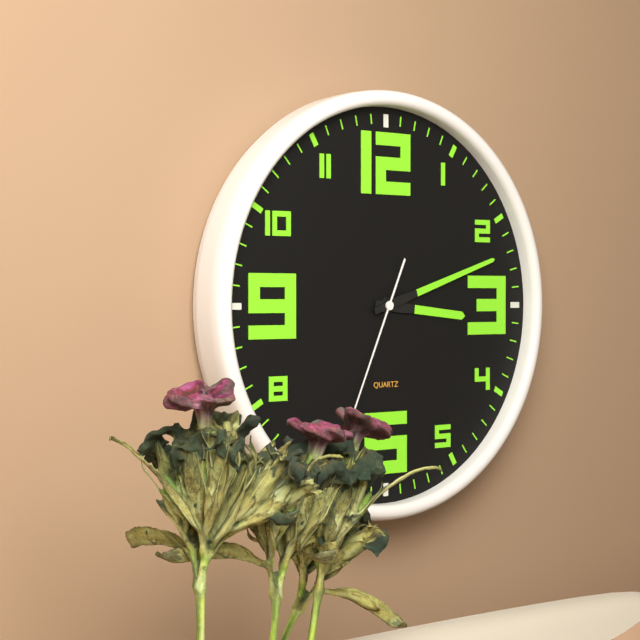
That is **3:12:34**
